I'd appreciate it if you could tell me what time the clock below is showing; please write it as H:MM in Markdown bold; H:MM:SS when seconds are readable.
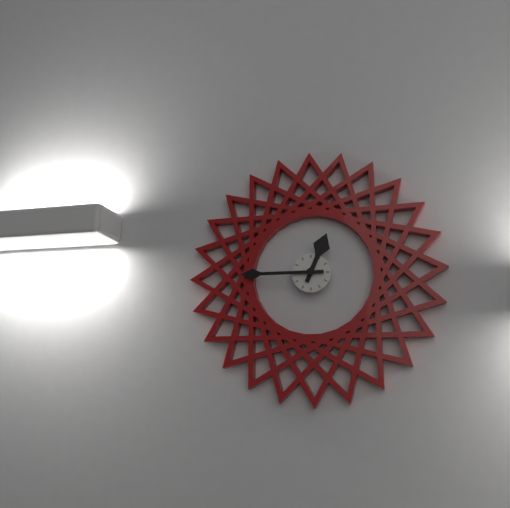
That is **12:45**
